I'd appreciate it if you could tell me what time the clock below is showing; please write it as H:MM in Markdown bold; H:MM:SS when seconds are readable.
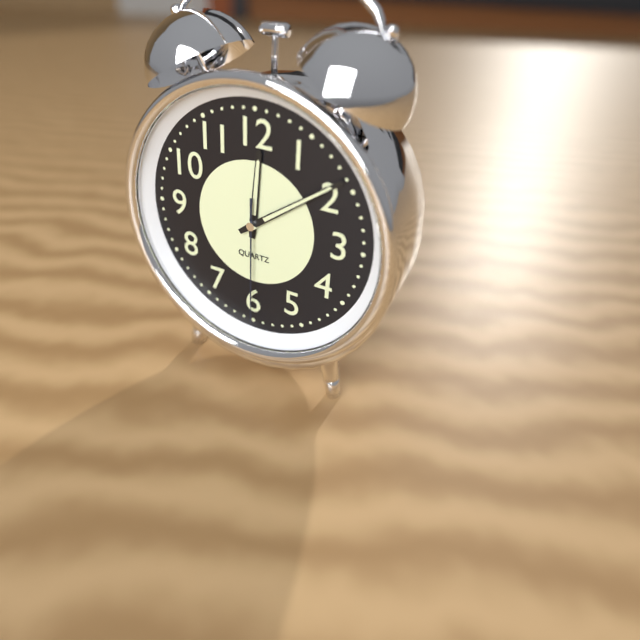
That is **12:09:30**
